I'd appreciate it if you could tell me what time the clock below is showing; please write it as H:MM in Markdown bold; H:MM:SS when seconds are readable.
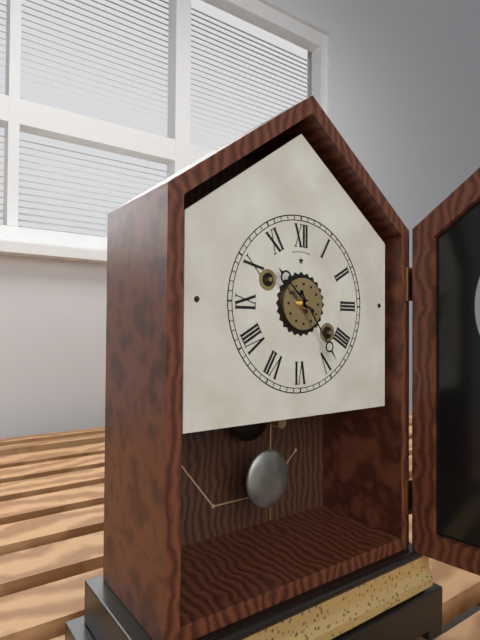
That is **10:24**
